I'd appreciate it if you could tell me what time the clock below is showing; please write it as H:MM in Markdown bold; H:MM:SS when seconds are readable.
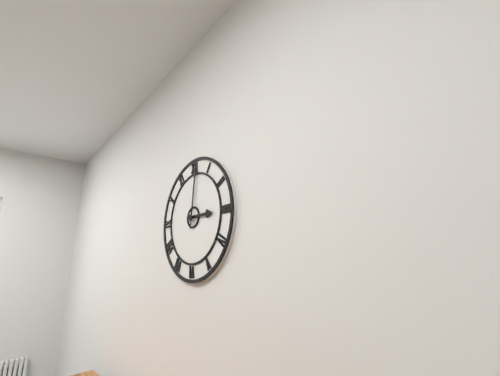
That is **3:01**
